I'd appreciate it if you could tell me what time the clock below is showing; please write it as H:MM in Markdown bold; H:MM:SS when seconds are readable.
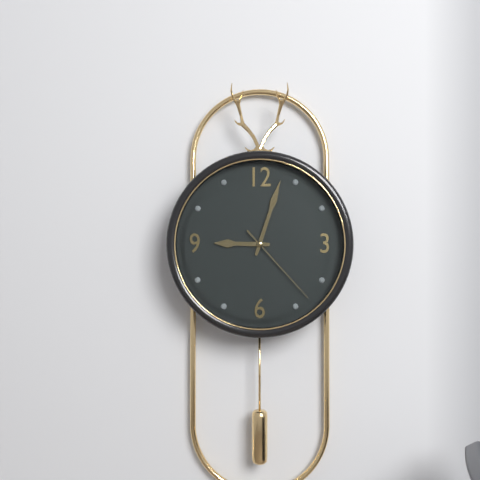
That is **9:03:23**
